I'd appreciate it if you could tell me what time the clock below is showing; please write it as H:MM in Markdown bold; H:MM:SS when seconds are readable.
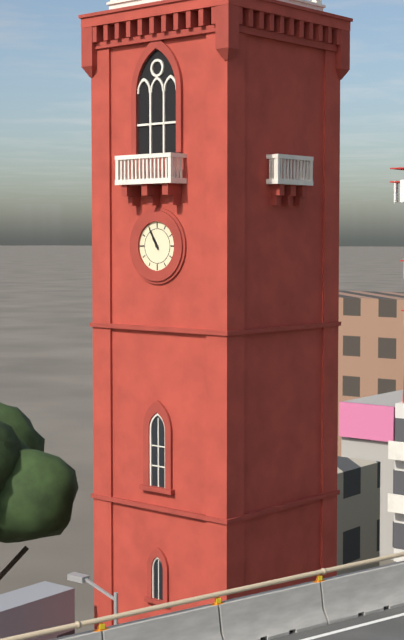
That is **10:55**
